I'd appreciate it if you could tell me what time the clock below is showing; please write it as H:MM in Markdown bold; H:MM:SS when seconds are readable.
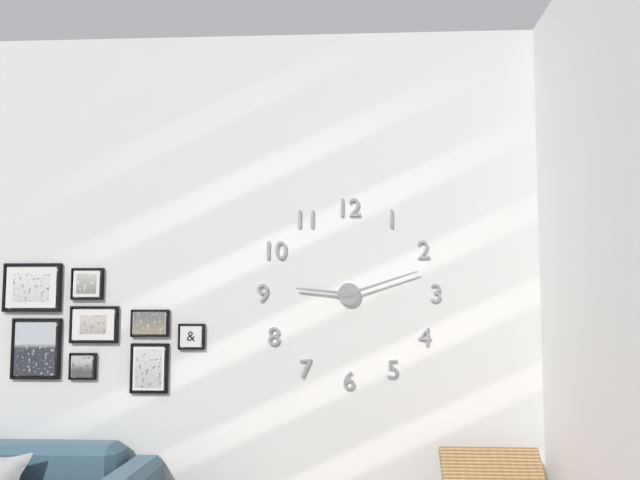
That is **9:12**
